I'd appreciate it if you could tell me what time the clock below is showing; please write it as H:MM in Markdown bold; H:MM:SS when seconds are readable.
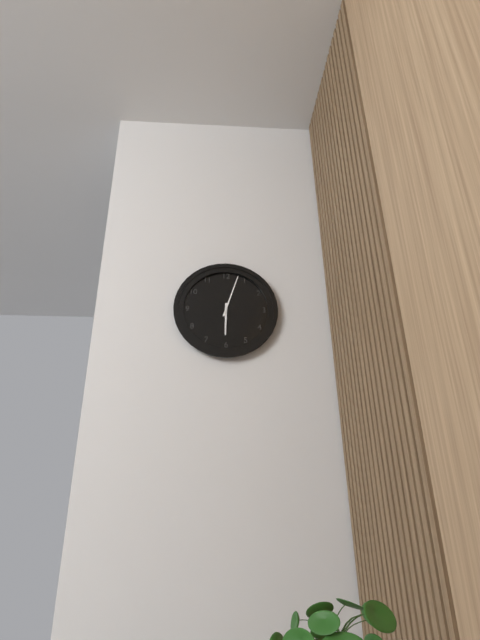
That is **6:03**
